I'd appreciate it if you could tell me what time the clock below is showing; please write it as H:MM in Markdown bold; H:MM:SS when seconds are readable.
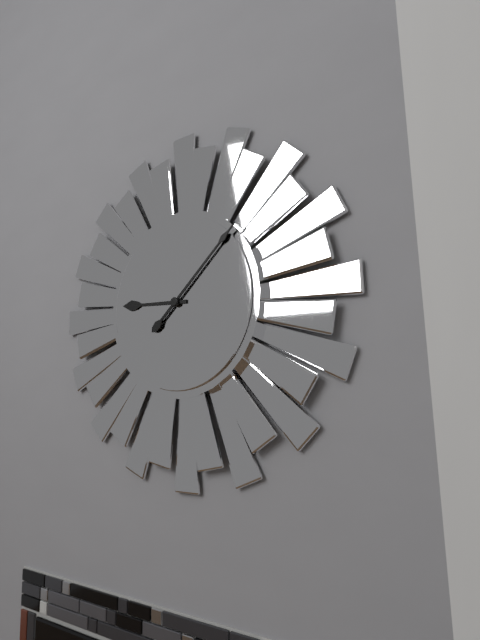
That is **9:08**
